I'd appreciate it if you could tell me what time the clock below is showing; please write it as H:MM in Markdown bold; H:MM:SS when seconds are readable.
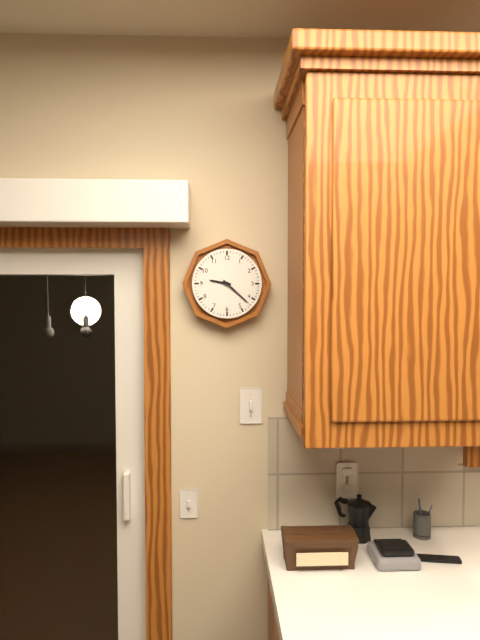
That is **9:22**
